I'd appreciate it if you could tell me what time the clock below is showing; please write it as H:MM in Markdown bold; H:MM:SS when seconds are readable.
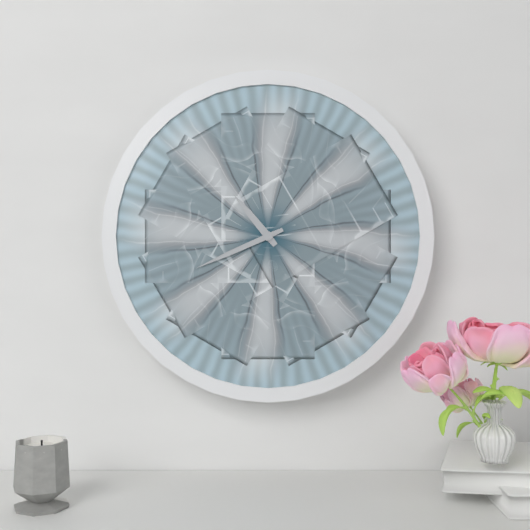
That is **10:41**
